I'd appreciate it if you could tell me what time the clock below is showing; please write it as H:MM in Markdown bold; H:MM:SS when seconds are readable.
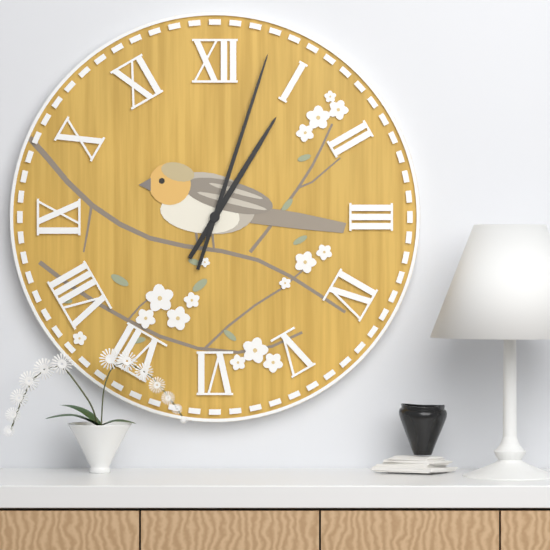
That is **1:03**
